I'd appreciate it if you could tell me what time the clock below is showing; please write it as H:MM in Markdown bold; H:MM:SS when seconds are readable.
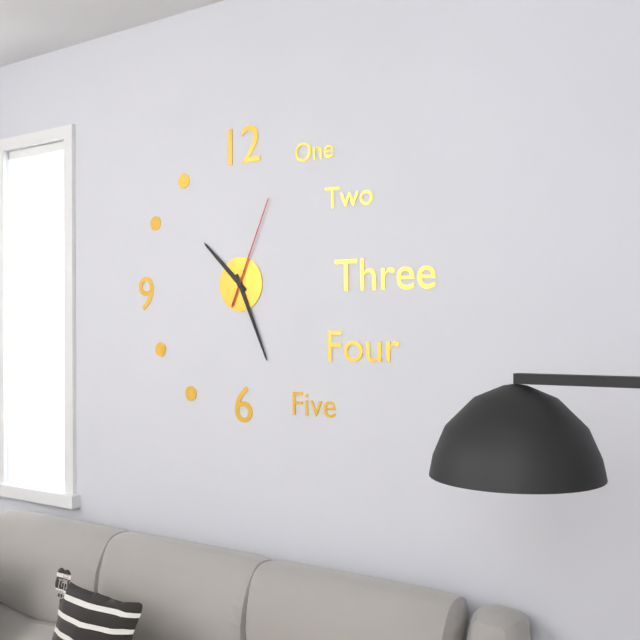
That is **10:26:04**
